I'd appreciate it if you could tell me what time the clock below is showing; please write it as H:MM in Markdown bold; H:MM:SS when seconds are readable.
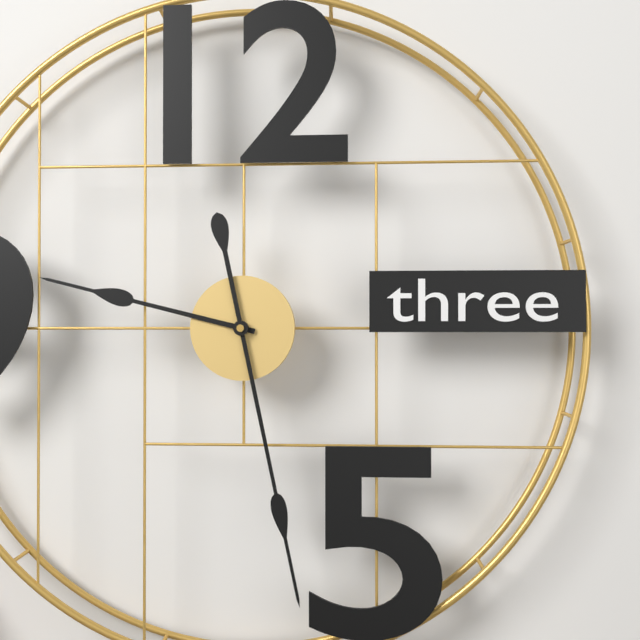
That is **9:28**
